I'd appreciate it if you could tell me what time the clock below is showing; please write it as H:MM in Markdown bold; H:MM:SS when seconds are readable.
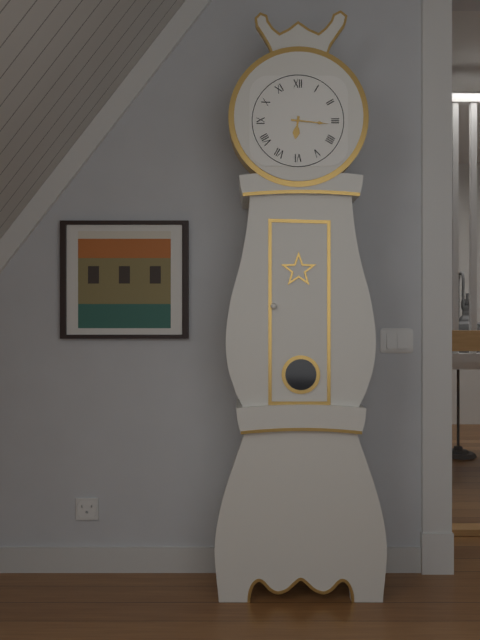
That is **6:16**
